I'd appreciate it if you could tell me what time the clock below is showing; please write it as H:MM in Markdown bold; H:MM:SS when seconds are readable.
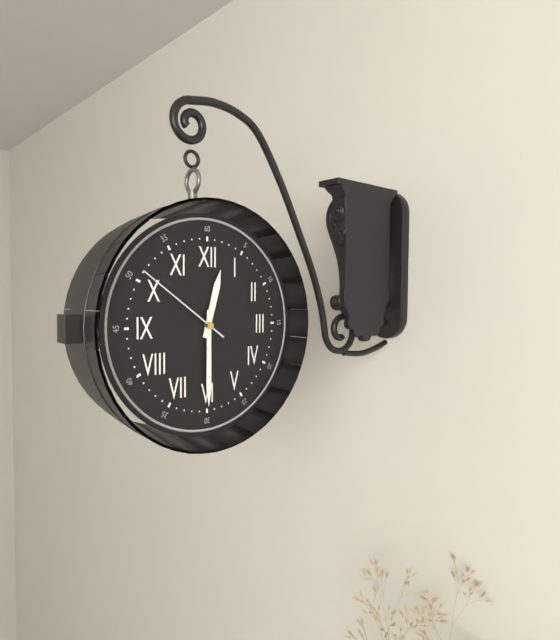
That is **12:30:51**
